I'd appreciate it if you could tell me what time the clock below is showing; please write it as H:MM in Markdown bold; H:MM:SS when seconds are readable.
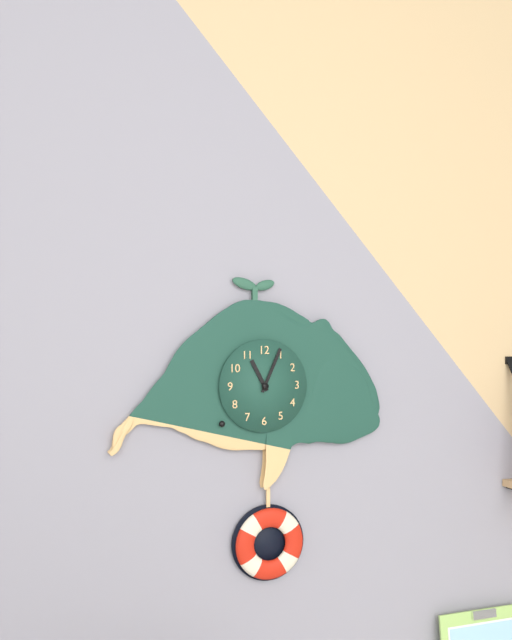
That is **11:04**
